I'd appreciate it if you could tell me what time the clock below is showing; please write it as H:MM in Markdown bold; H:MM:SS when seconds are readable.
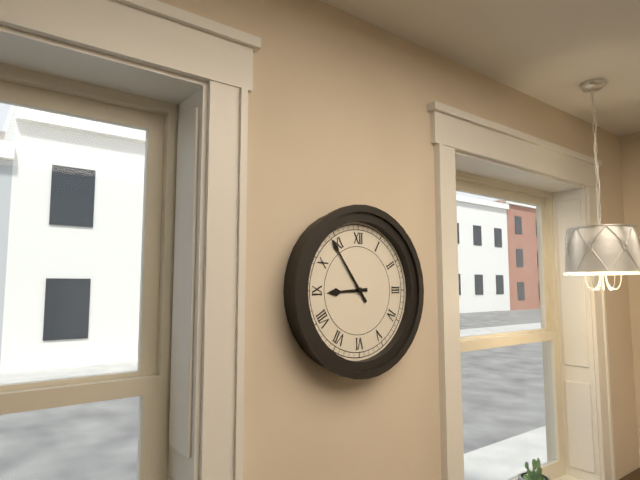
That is **8:54**
